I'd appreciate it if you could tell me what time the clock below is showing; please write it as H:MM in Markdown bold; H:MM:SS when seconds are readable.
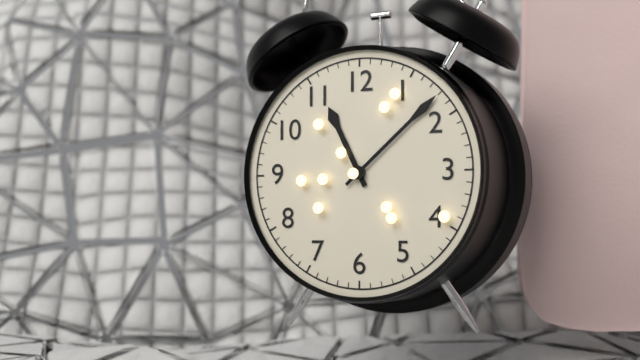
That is **11:08**
